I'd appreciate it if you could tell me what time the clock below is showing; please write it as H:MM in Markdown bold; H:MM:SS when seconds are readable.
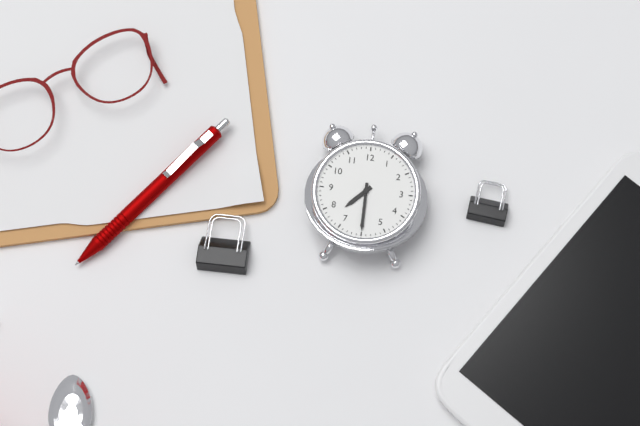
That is **7:30**
